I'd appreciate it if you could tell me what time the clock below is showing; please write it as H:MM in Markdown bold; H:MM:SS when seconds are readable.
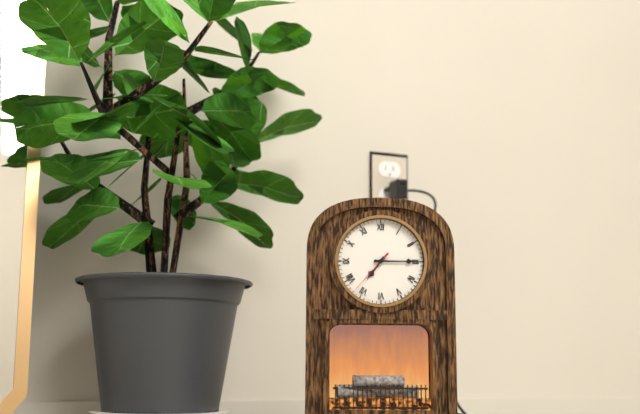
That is **7:15**
